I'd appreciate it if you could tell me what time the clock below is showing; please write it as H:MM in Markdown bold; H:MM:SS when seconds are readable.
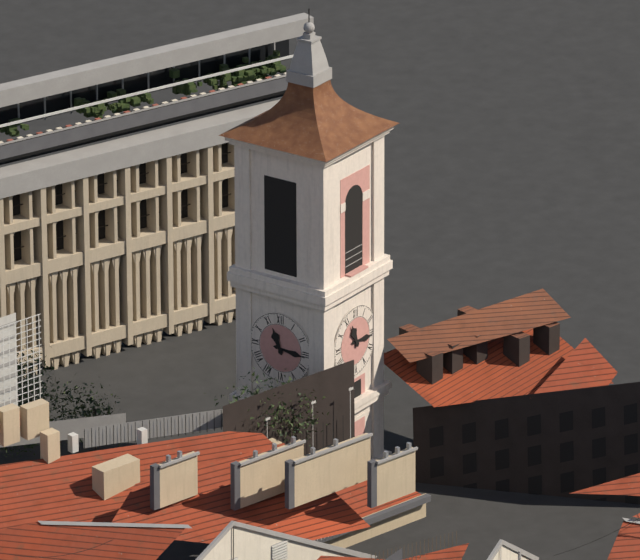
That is **11:16**
